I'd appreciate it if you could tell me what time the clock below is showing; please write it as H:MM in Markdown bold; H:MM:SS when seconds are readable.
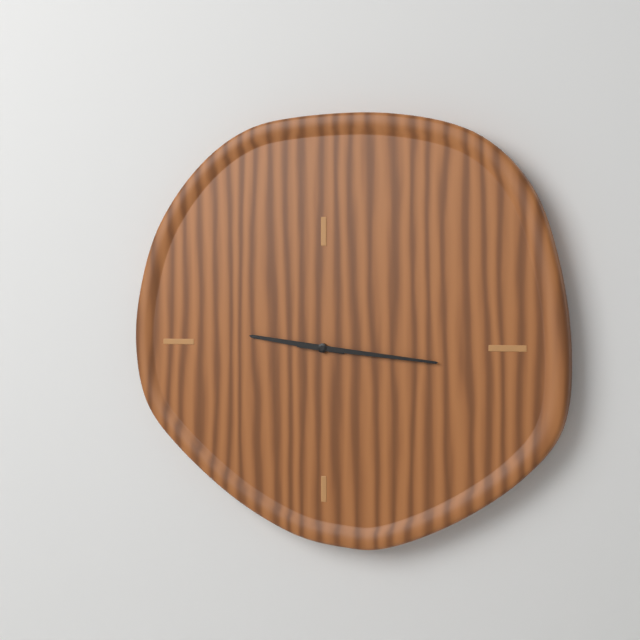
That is **9:16**
